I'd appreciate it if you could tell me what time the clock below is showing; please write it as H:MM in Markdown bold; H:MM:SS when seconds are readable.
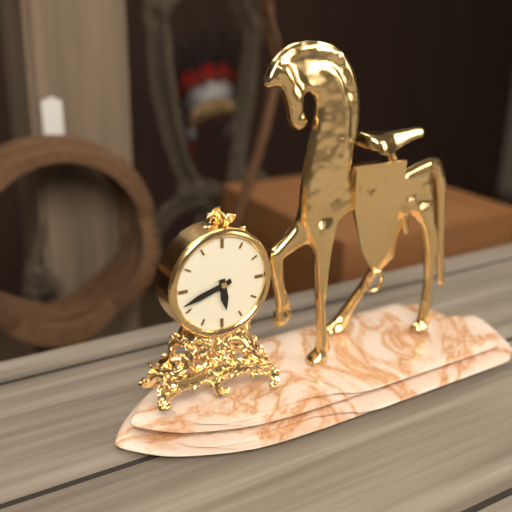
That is **5:42**
